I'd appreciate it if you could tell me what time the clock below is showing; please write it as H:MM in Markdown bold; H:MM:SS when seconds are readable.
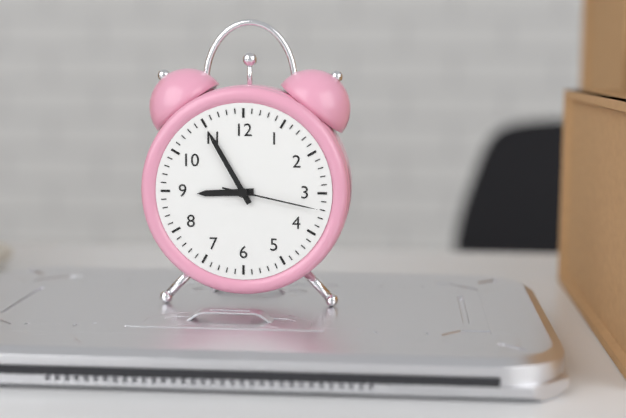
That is **8:55:17**
